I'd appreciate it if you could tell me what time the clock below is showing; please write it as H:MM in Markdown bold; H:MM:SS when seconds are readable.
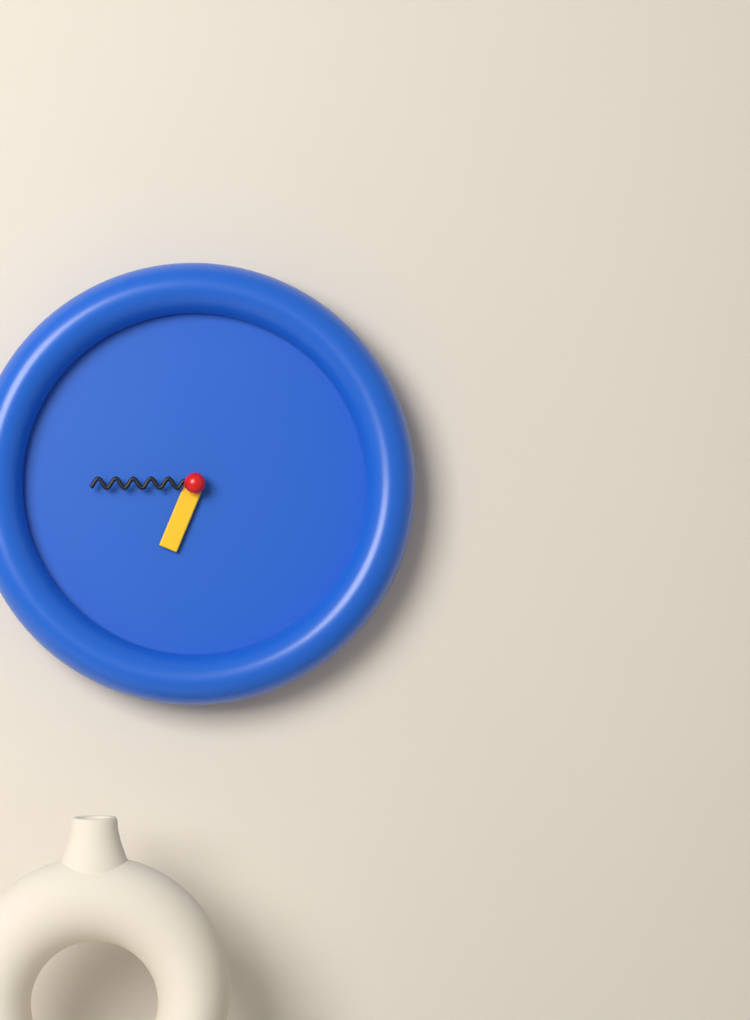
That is **6:45**
